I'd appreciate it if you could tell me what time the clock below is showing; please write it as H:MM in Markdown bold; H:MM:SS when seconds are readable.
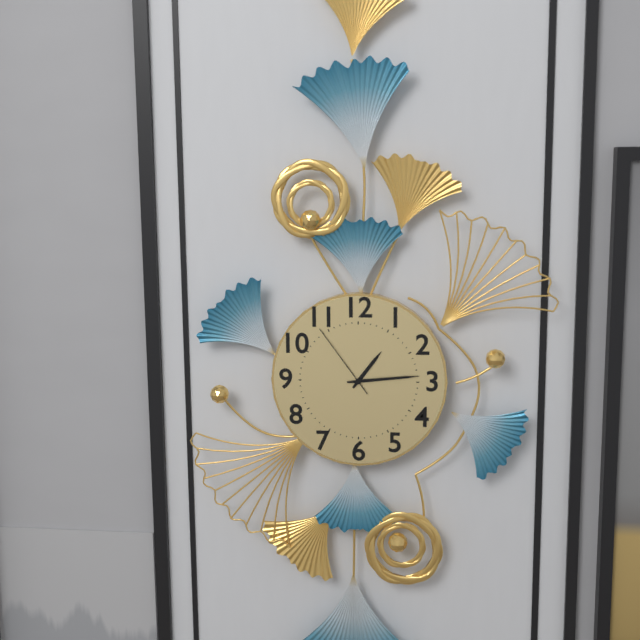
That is **1:14:54**
